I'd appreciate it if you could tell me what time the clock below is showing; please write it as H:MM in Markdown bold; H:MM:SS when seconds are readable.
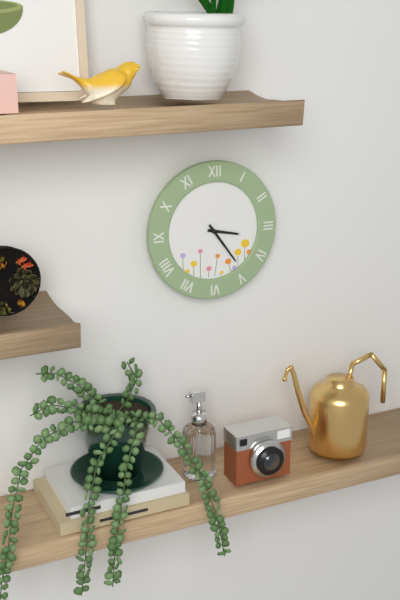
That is **3:24**
